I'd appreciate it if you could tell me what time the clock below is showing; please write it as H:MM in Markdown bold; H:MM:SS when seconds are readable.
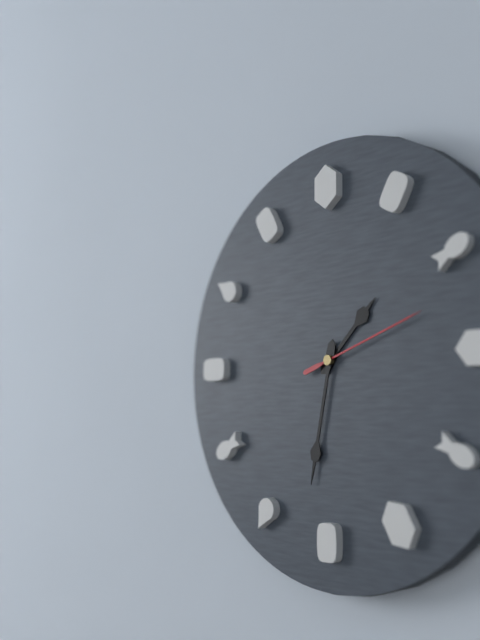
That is **1:32:12**
